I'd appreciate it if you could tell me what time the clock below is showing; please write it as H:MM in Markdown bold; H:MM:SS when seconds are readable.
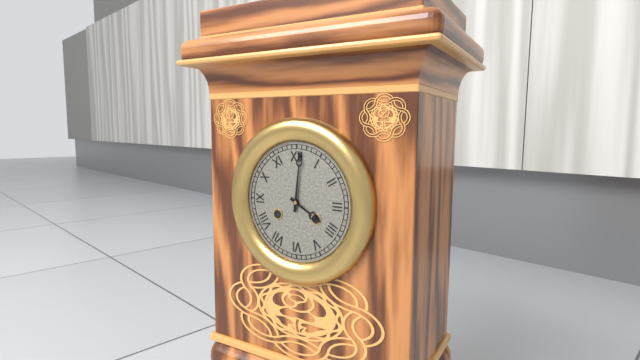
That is **4:01**
